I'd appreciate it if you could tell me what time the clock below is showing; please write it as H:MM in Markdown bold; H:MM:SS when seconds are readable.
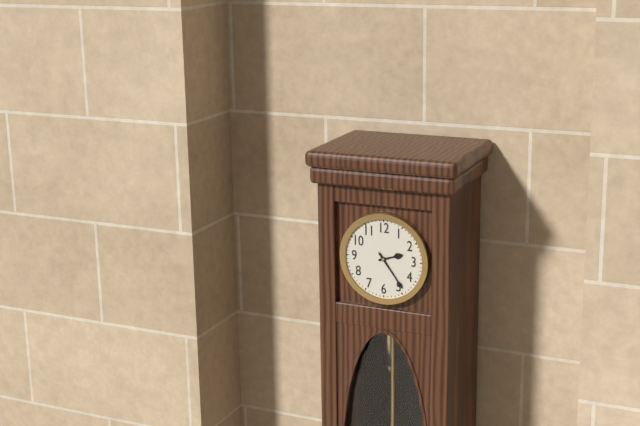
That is **2:24**
